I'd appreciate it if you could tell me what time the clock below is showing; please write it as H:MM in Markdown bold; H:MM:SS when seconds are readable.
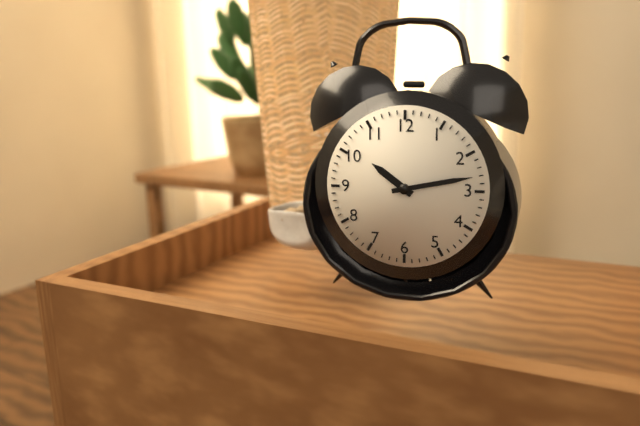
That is **10:13**
